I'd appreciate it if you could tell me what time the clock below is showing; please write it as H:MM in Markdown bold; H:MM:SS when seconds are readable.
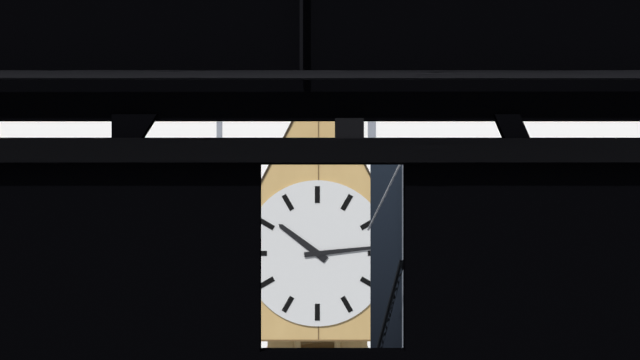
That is **10:14**
